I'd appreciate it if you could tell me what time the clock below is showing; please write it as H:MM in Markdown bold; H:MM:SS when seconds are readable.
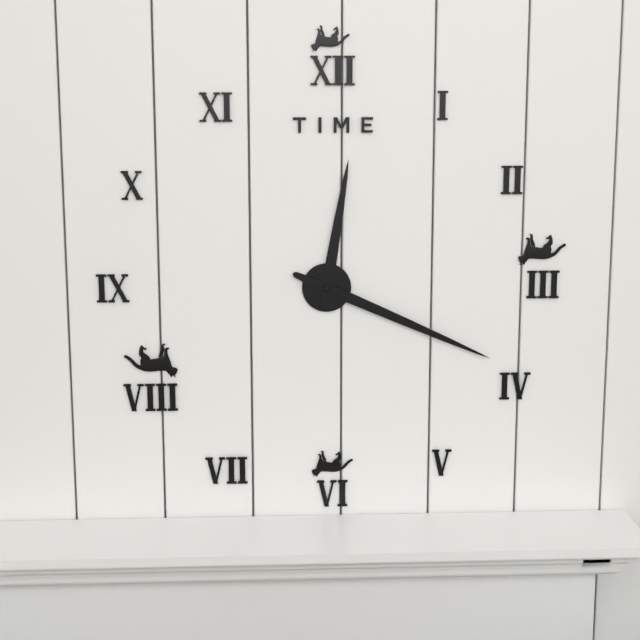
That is **12:19**
